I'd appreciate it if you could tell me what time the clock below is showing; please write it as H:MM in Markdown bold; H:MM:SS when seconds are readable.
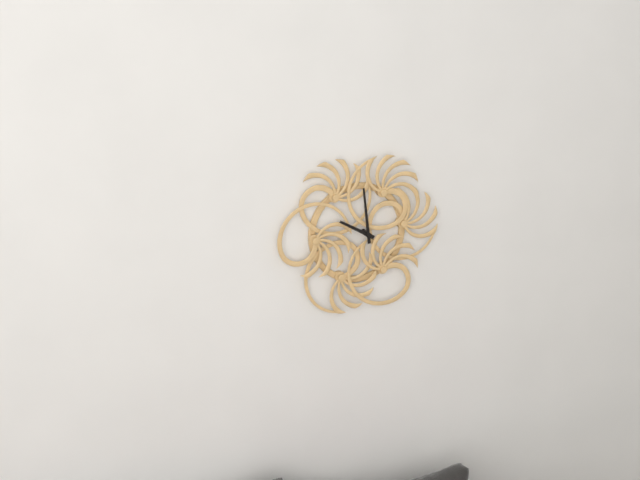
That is **9:59**
